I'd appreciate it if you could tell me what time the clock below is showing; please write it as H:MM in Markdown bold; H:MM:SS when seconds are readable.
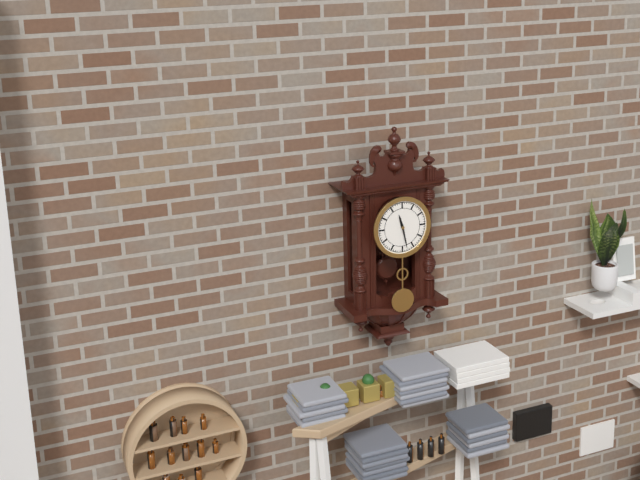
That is **11:28**
